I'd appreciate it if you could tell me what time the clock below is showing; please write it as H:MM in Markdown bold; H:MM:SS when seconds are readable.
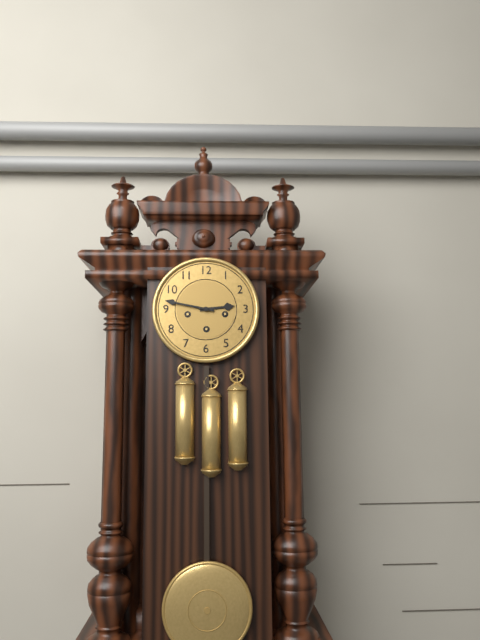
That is **2:47**
